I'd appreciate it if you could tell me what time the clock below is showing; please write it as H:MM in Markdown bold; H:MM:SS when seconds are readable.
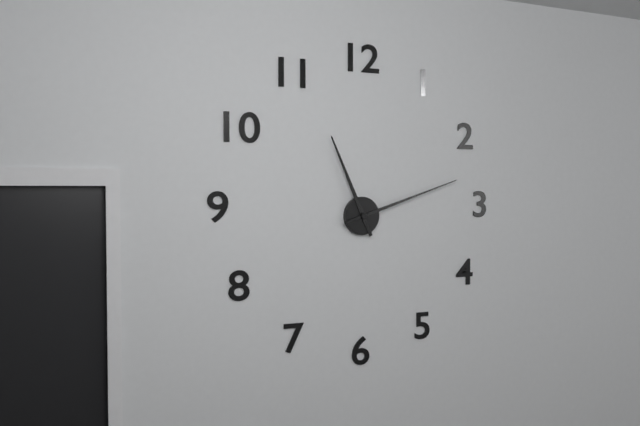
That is **11:12**
